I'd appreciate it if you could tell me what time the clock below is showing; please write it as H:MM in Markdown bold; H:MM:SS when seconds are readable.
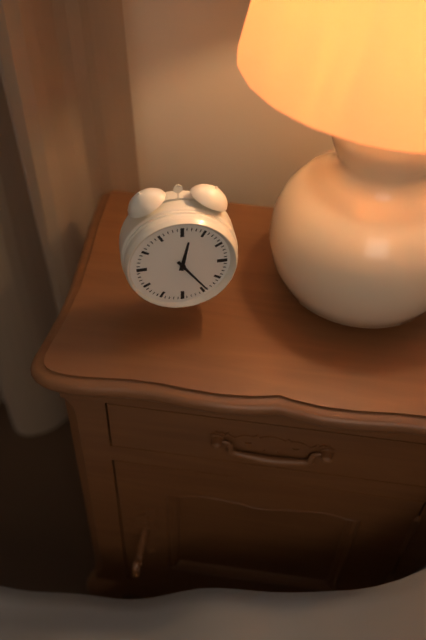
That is **12:24**
